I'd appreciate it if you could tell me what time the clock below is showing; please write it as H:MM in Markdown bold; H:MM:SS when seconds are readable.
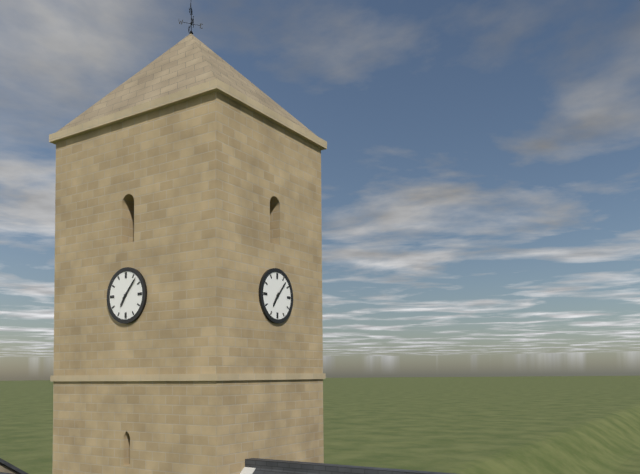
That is **7:07**
